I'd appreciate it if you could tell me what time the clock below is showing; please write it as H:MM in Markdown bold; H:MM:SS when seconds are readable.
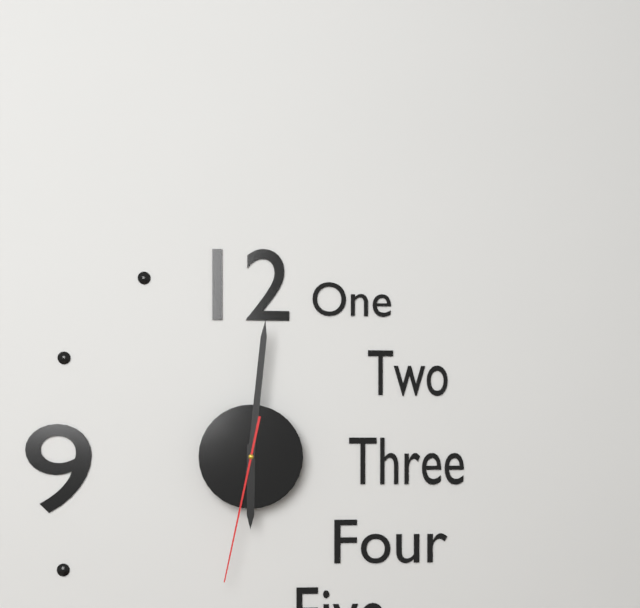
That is **6:01:32**
